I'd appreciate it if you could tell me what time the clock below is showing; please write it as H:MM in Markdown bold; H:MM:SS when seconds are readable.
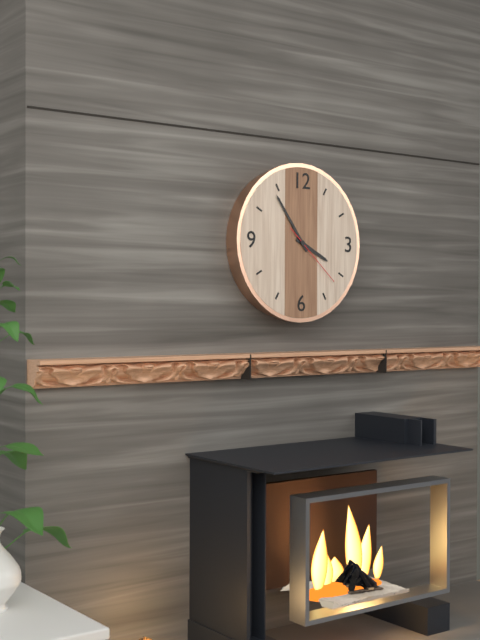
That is **3:54:22**
